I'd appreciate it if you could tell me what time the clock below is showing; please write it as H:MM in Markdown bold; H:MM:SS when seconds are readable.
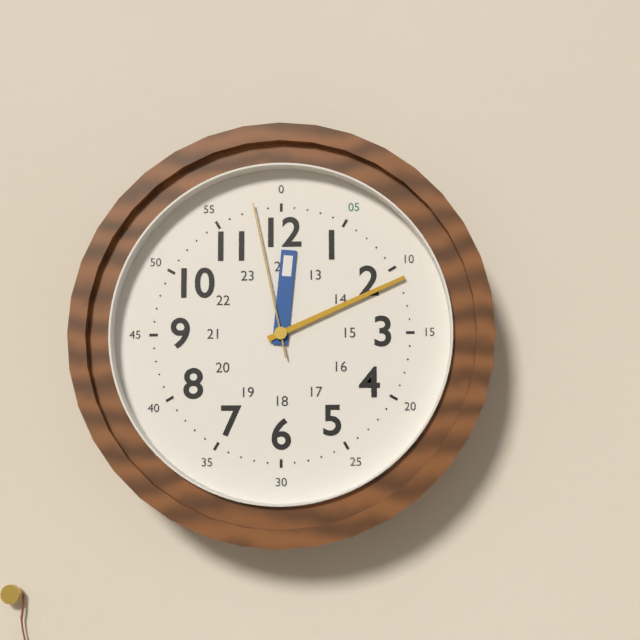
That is **12:11:58**
